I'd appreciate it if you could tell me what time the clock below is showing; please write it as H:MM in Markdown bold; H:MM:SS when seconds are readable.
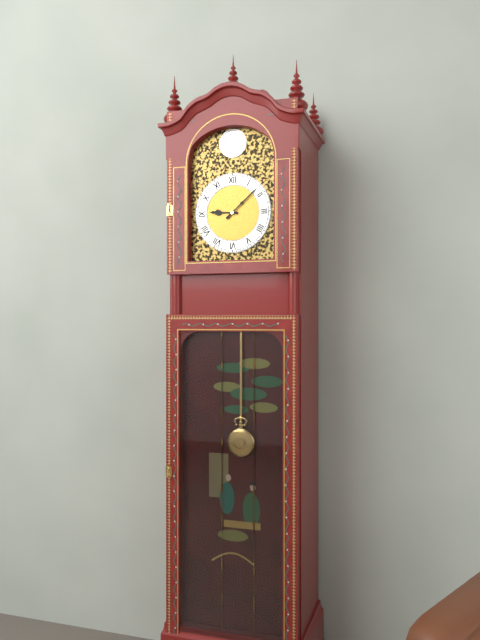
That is **9:08**
